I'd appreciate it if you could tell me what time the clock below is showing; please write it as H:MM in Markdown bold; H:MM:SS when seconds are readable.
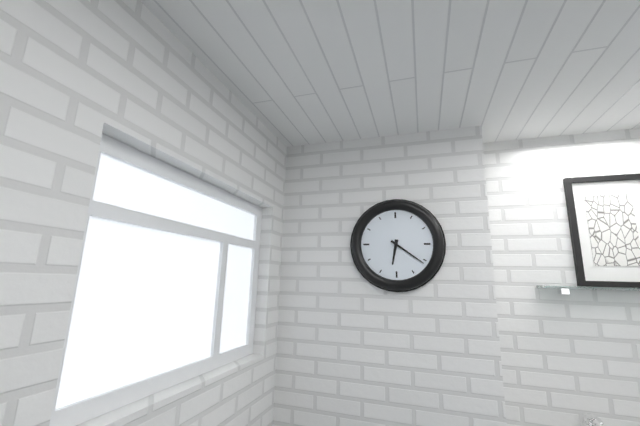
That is **6:21**
